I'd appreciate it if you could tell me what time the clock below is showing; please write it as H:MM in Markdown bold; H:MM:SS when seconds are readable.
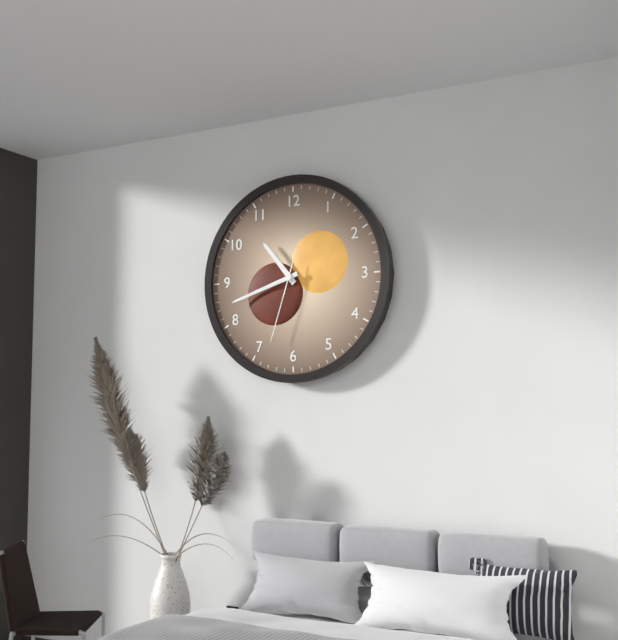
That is **10:42:33**
